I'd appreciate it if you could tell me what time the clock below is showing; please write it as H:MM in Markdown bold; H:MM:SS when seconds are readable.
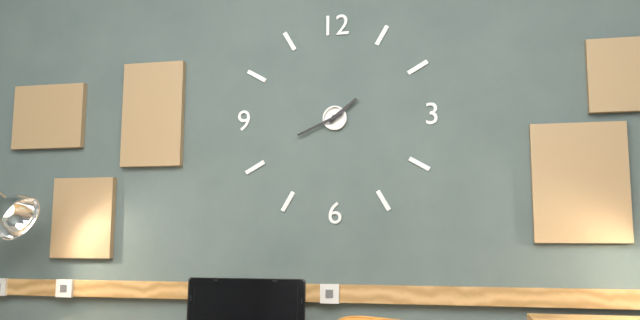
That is **1:41**
